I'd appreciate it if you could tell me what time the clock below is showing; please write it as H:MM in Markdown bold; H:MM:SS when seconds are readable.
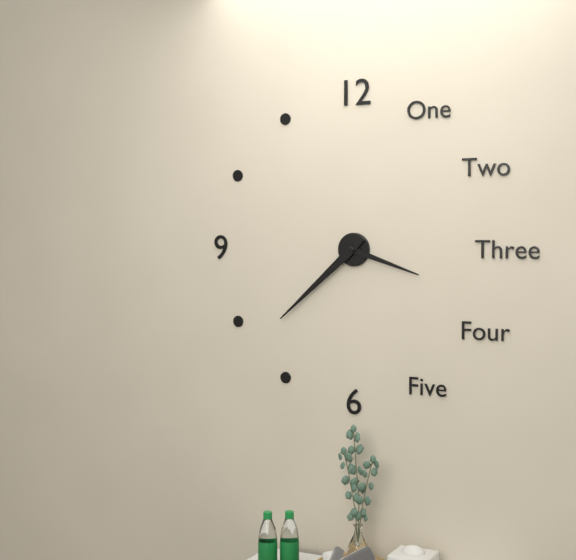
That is **3:38**
